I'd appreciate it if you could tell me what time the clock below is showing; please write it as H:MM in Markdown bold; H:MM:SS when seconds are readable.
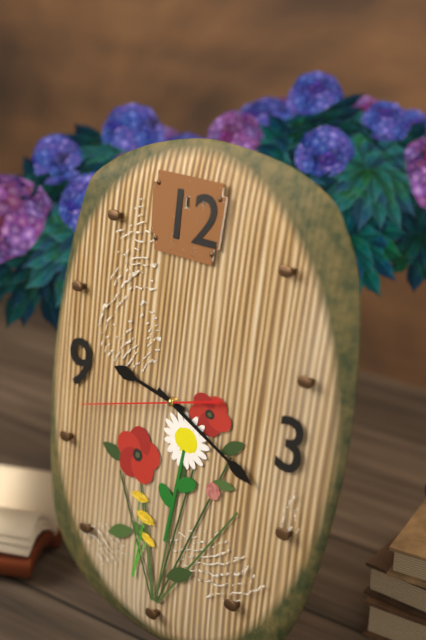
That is **9:19:42**
